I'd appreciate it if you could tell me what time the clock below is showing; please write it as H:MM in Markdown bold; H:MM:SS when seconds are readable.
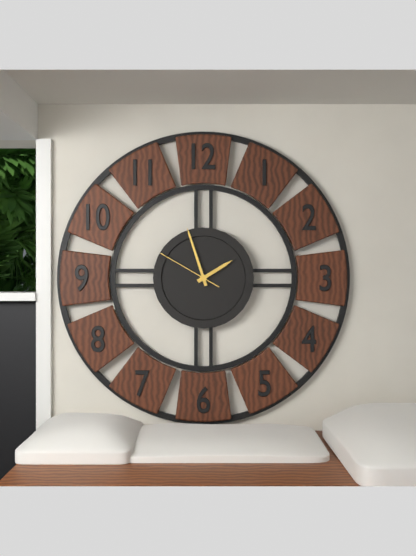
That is **1:57:50**
